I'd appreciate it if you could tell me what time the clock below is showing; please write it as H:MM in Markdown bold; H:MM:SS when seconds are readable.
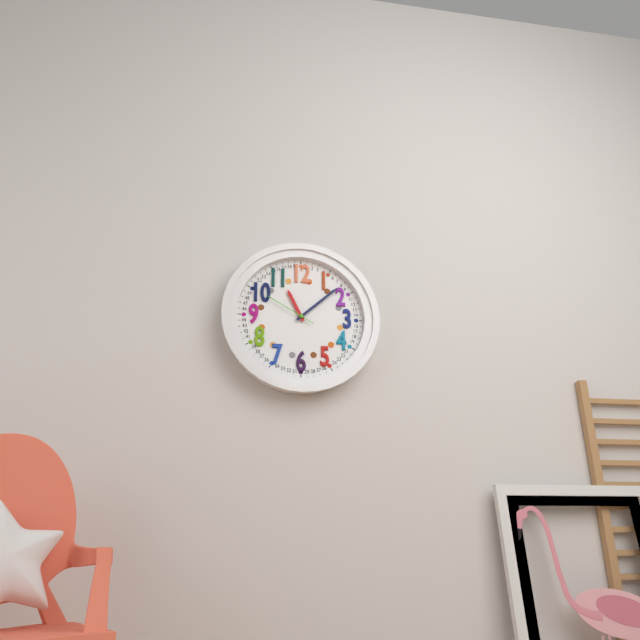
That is **11:08:50**
